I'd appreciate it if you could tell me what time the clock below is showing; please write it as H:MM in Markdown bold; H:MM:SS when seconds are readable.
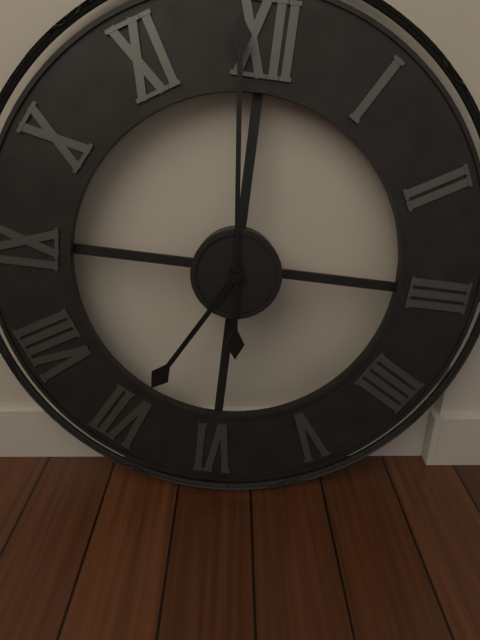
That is **6:59**
